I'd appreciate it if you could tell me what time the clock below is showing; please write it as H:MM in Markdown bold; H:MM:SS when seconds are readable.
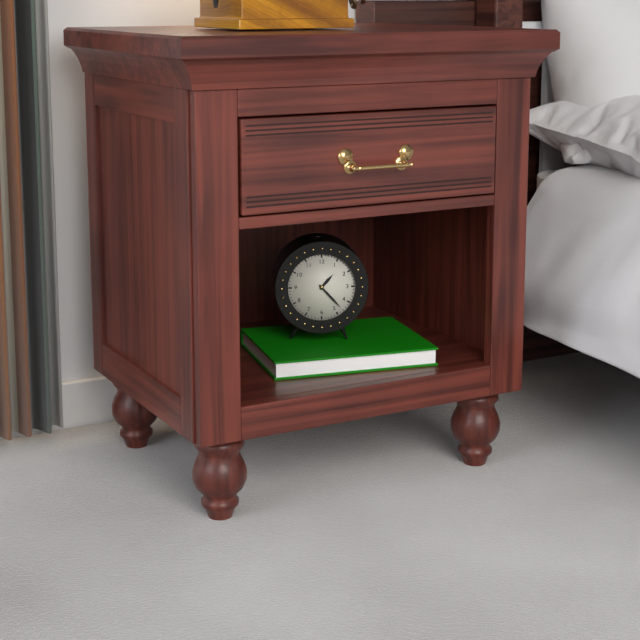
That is **1:23**
